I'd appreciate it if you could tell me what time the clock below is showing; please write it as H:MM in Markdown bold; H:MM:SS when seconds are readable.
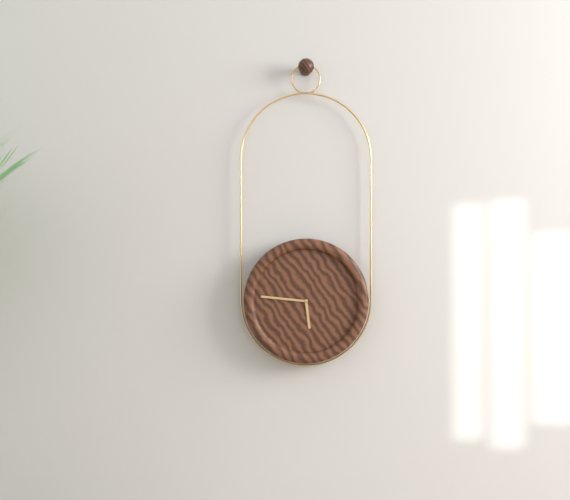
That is **5:46**
